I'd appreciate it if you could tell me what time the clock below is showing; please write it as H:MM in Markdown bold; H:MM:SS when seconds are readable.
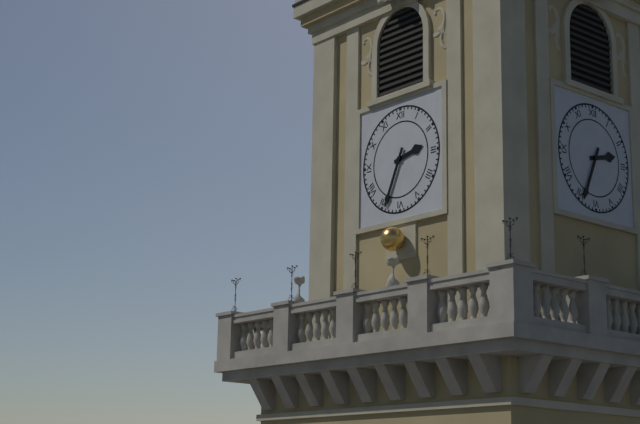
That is **2:34**
